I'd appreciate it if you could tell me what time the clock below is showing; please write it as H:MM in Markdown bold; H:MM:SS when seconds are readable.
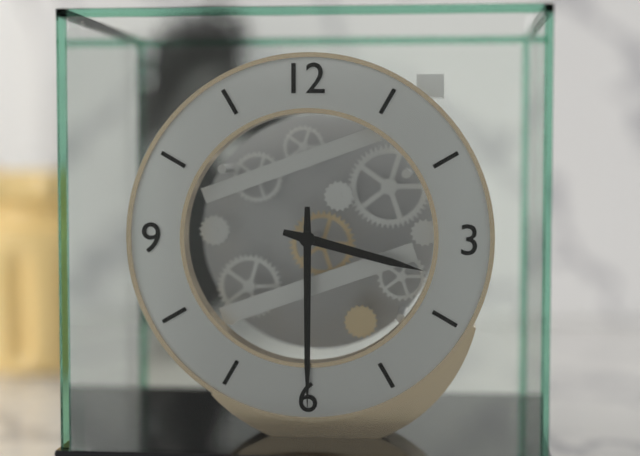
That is **3:30**
